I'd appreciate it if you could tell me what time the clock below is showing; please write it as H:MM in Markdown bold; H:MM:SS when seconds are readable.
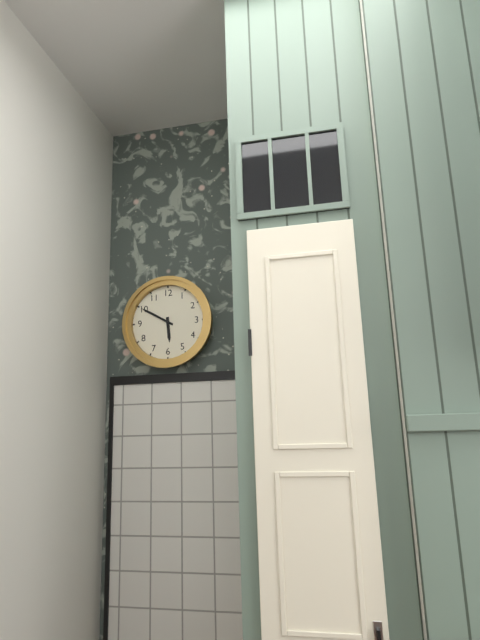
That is **5:50**
